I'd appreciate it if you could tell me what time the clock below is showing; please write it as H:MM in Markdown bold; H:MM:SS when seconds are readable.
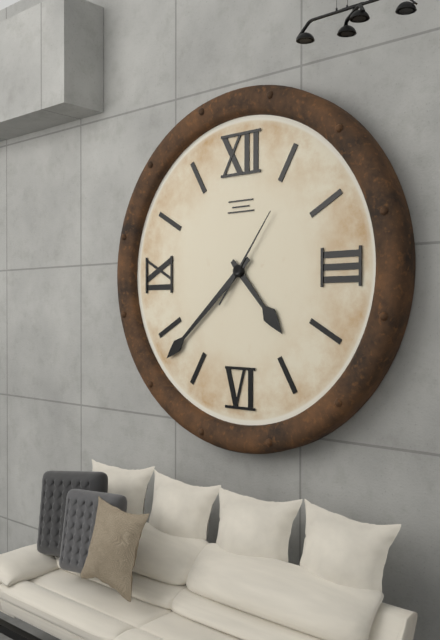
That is **4:38:06**
